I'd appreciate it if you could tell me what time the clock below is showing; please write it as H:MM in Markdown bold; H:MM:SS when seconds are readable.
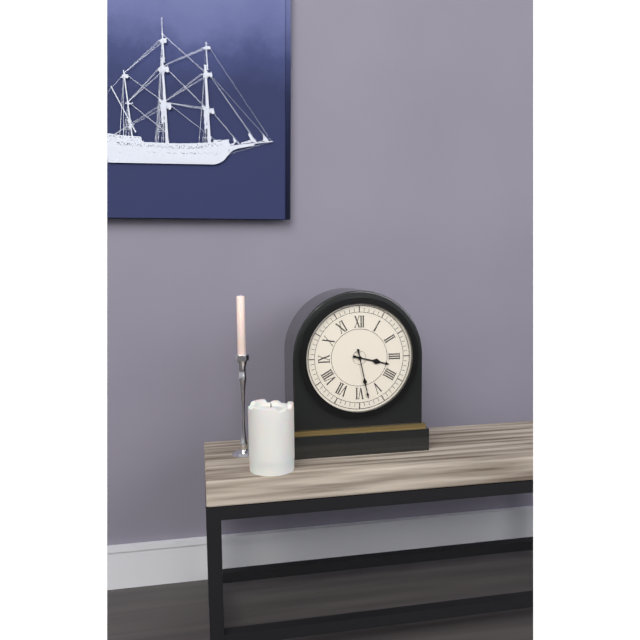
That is **3:28**
